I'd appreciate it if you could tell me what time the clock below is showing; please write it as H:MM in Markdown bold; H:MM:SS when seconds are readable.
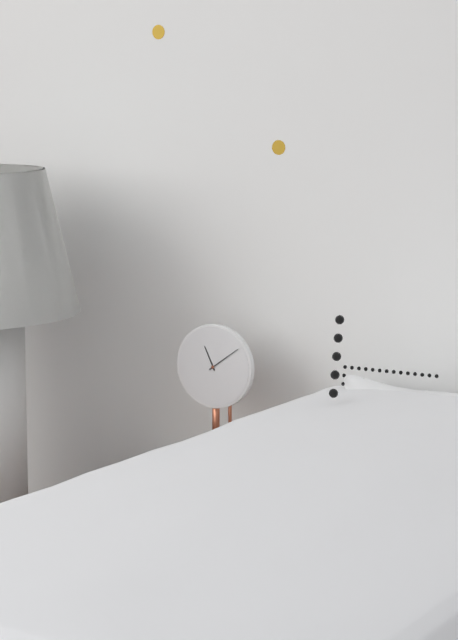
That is **11:09**
